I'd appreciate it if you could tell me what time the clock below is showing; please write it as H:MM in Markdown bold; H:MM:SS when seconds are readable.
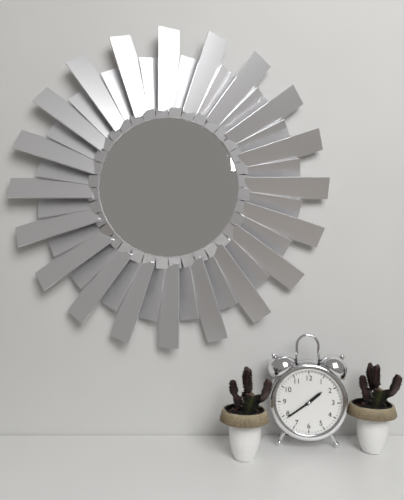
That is **1:39**
